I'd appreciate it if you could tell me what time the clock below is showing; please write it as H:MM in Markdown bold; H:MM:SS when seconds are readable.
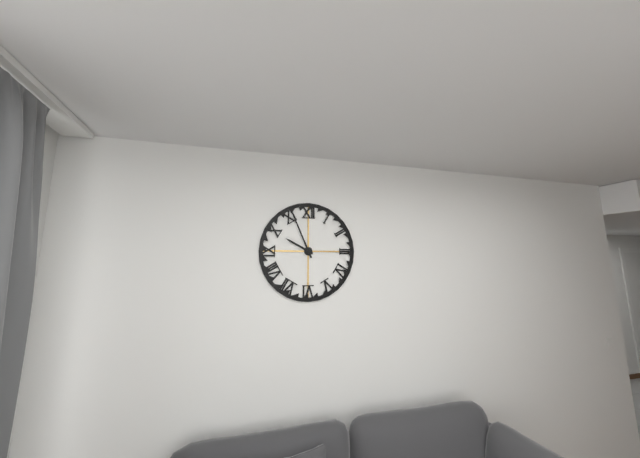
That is **9:56**
